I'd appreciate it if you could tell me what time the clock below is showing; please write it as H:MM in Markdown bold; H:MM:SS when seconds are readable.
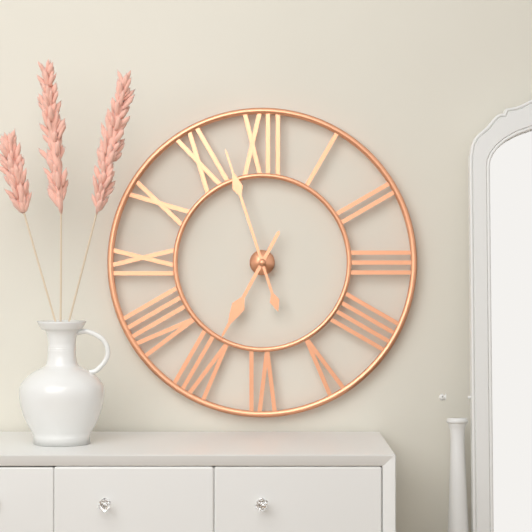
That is **6:57**
